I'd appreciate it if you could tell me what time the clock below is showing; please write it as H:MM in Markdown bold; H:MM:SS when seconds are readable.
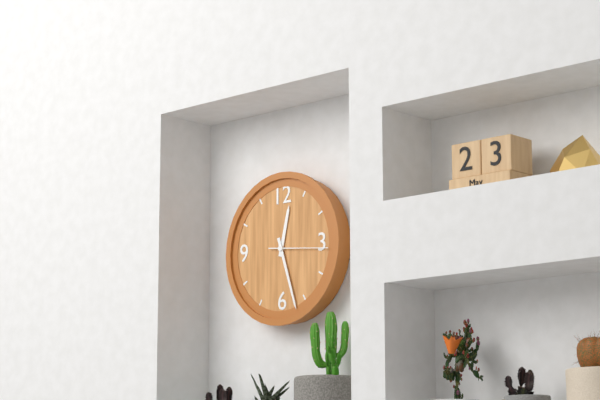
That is **12:27:16**
